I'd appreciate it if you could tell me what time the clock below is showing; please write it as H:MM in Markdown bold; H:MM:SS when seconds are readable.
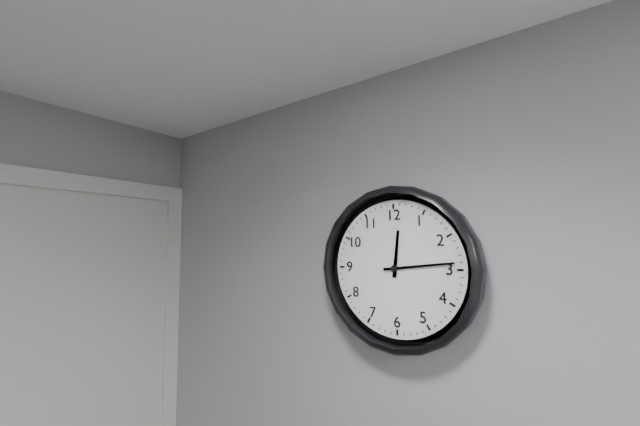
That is **12:14**
